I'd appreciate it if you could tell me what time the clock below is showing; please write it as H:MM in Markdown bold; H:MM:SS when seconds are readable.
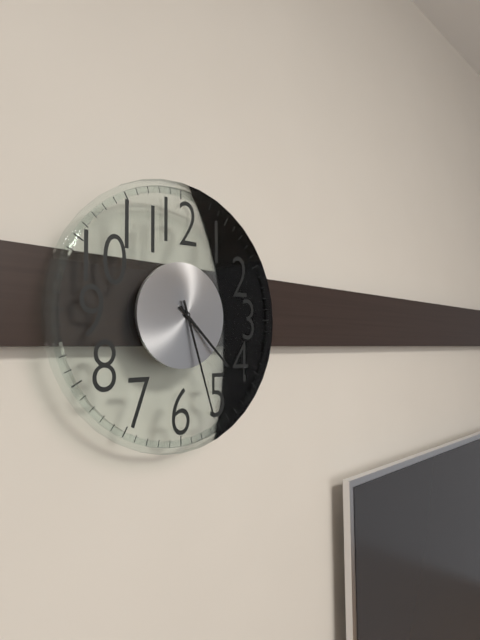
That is **4:27**
